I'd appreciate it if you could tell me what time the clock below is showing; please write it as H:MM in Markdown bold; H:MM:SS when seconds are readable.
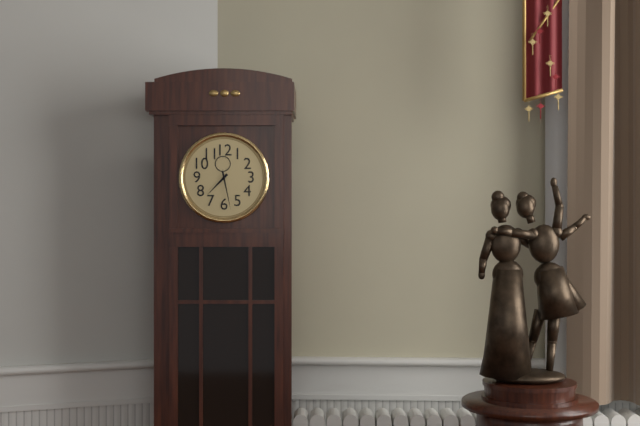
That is **7:28**
